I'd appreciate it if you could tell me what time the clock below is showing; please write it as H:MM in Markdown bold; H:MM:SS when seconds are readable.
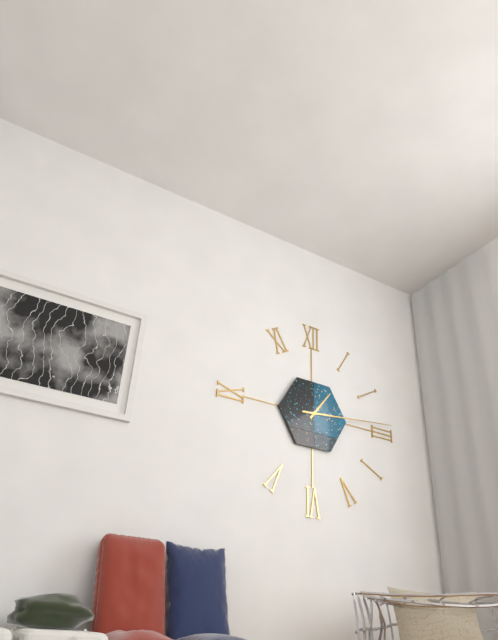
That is **1:14**
